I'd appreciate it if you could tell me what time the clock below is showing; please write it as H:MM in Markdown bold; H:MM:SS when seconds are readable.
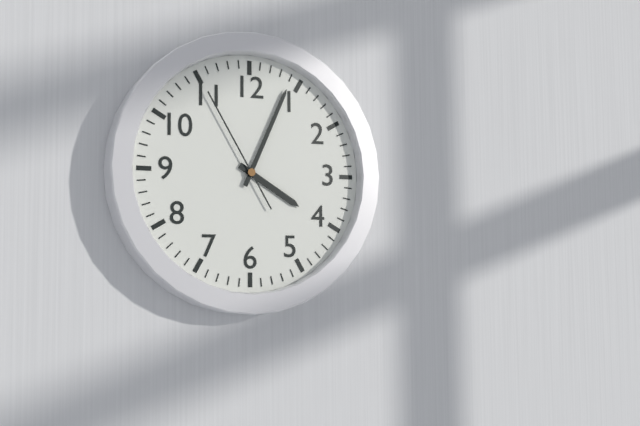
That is **4:04:55**
